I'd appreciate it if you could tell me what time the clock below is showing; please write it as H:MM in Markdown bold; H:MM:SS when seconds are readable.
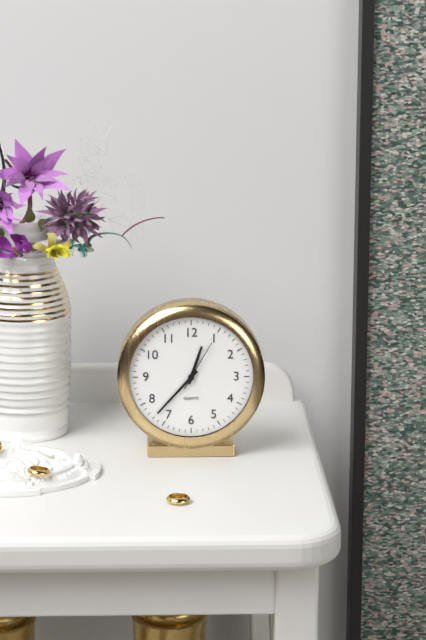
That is **12:37:05**
